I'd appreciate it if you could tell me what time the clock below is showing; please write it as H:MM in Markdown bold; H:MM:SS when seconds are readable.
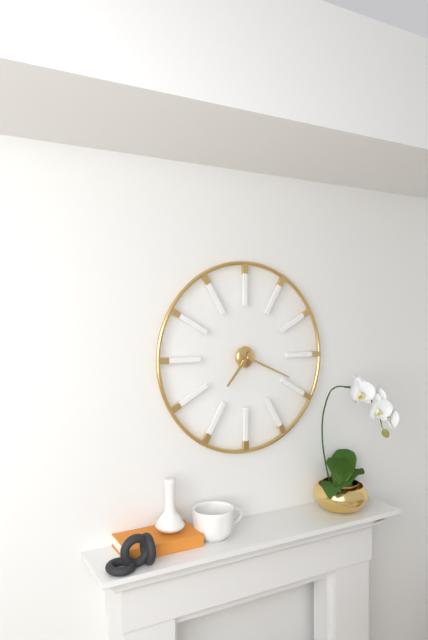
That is **7:19**
